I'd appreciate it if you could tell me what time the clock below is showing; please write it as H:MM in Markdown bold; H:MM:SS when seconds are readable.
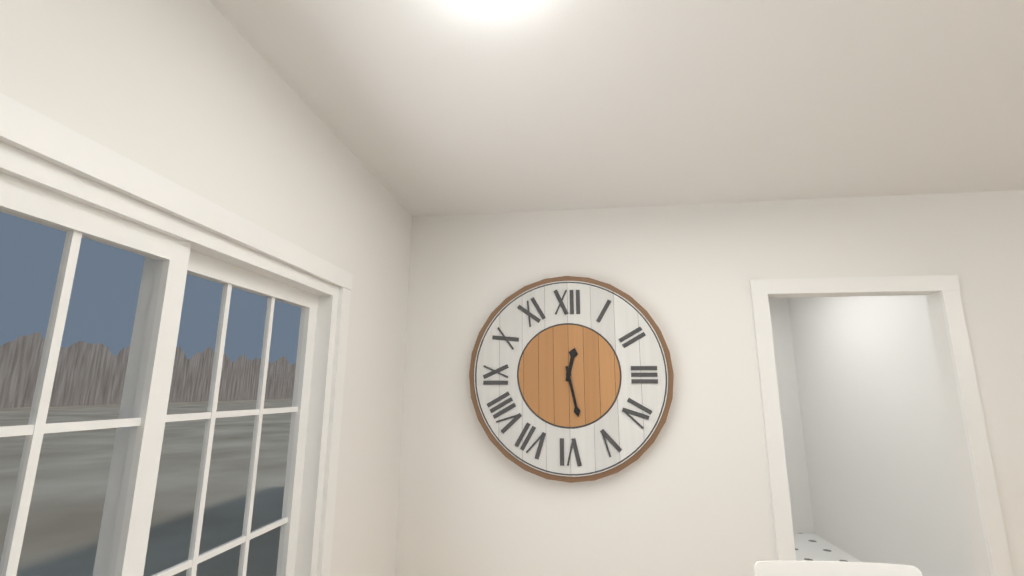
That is **12:28**
